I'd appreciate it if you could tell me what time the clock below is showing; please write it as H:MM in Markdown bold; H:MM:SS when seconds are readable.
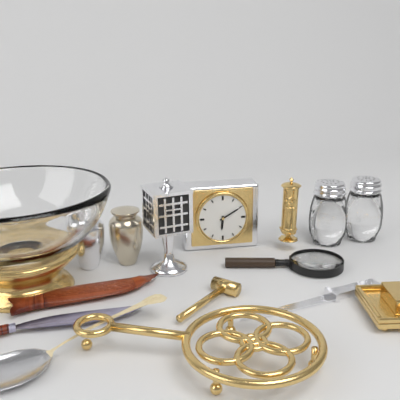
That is **6:10**
